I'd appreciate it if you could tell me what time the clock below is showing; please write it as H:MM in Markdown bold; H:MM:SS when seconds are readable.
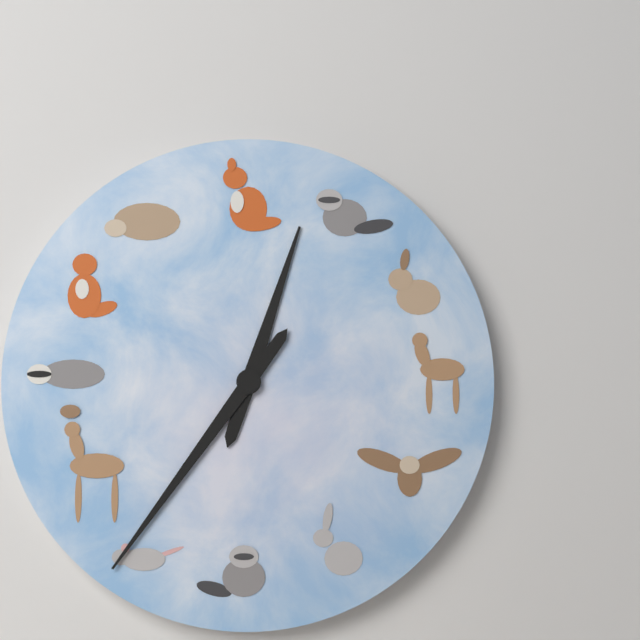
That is **12:36**
